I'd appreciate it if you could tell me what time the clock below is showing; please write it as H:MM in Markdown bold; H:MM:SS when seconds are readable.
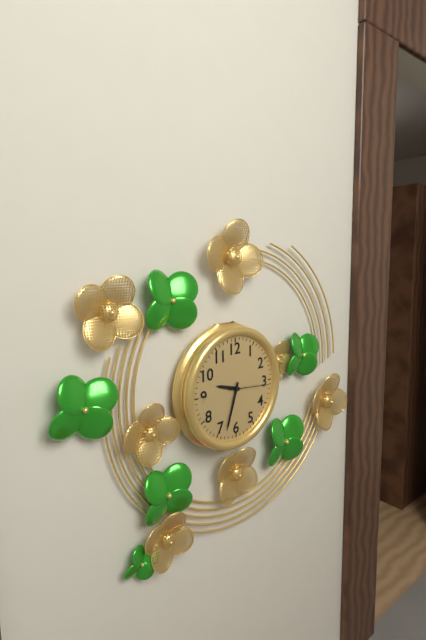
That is **9:33**
